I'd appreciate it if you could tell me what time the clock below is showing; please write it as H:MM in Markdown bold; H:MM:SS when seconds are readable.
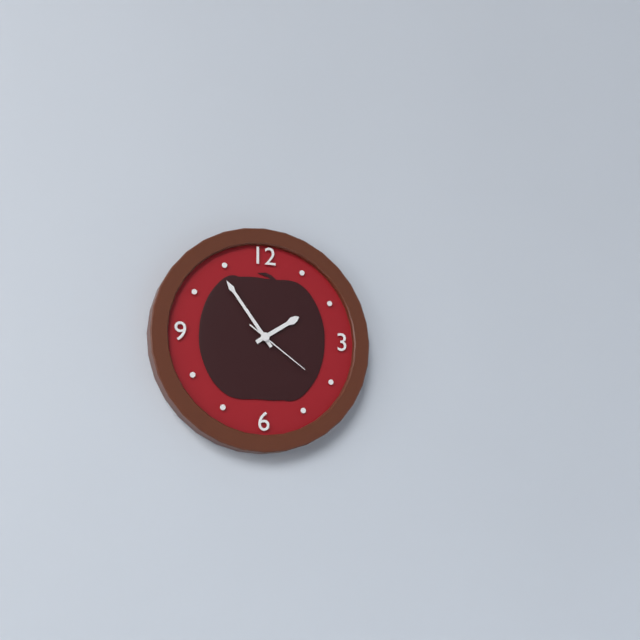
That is **1:54:21**
